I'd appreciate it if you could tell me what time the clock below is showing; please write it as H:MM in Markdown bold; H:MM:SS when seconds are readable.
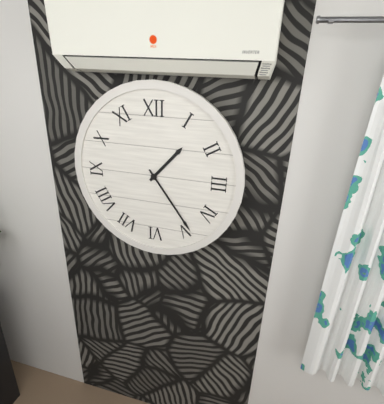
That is **1:24**
